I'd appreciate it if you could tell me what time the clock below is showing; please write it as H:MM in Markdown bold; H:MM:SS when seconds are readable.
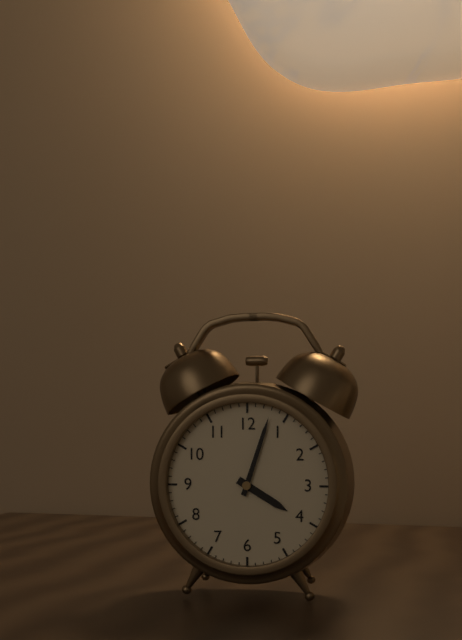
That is **4:03**
